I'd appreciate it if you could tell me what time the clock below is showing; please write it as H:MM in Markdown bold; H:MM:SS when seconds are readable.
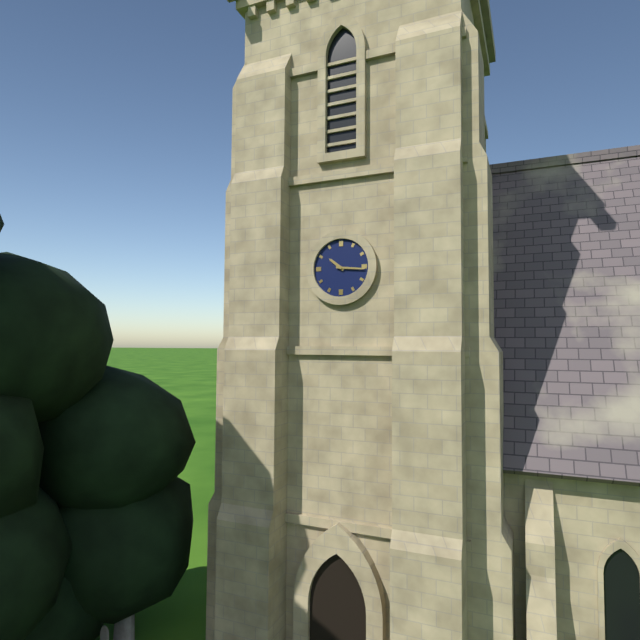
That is **10:16**
